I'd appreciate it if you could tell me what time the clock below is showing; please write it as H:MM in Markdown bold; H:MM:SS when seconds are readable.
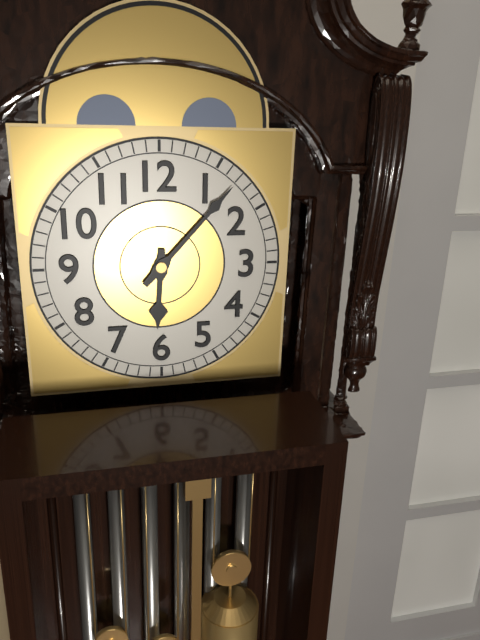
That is **6:07**
